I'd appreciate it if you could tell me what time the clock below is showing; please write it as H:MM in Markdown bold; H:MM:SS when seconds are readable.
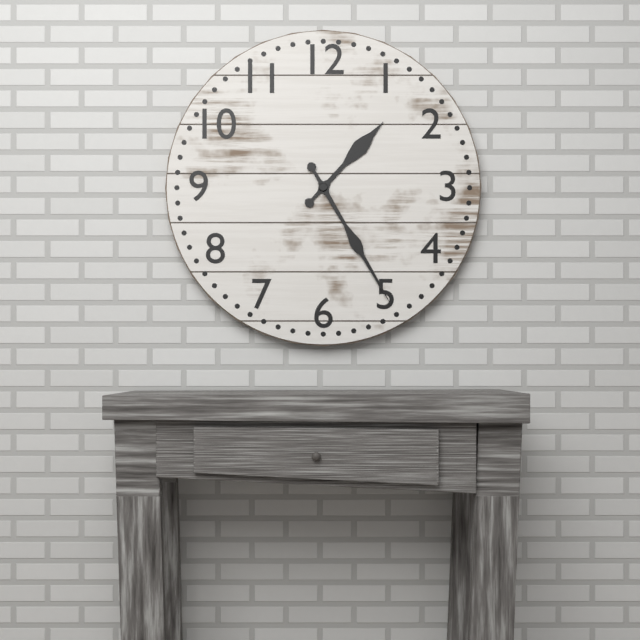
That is **1:25**
